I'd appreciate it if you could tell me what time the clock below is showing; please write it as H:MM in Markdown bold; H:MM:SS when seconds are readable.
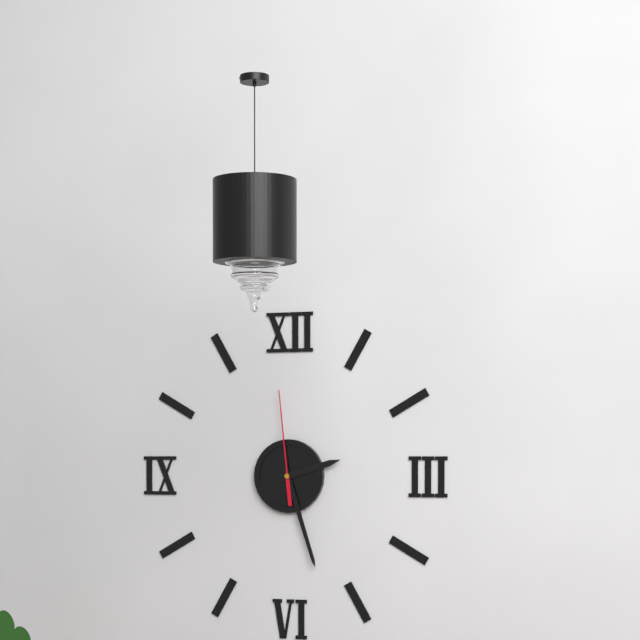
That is **2:27:59**
